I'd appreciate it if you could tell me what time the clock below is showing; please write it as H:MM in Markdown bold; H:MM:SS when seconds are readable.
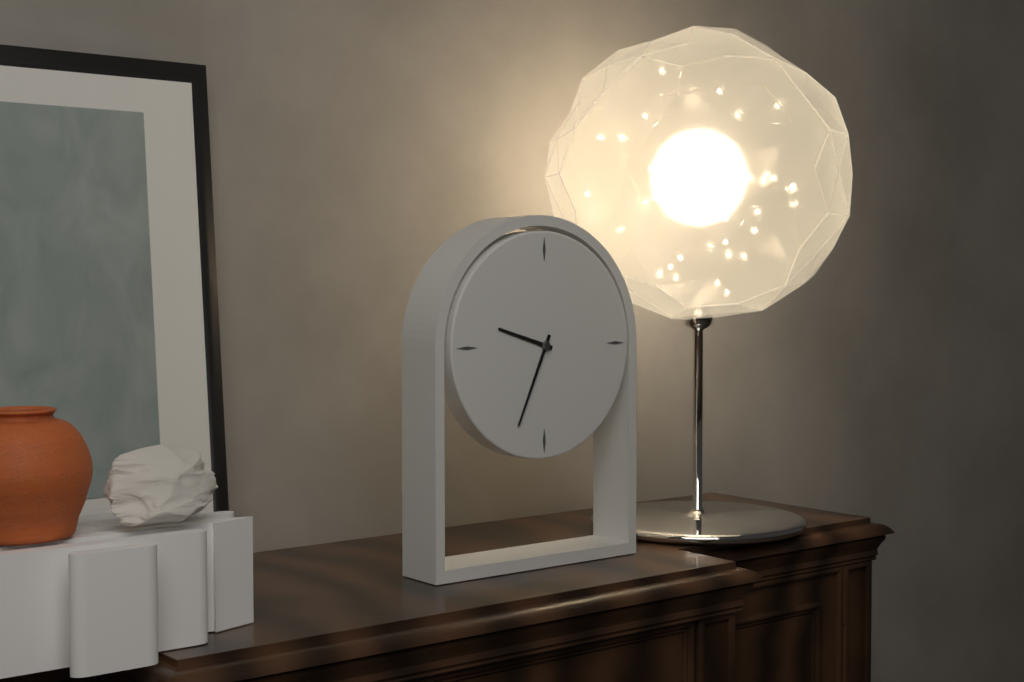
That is **9:34**
